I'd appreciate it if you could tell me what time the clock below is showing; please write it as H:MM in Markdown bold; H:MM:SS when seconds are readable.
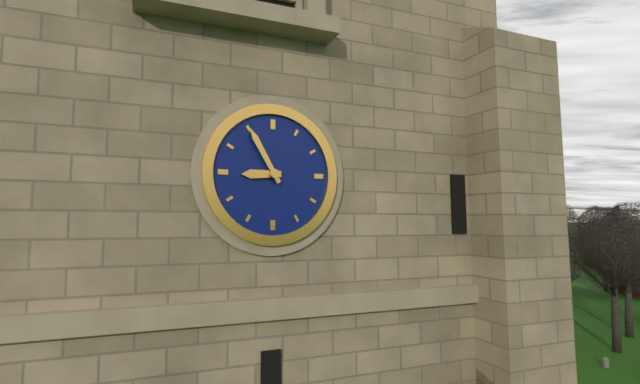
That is **8:55**
